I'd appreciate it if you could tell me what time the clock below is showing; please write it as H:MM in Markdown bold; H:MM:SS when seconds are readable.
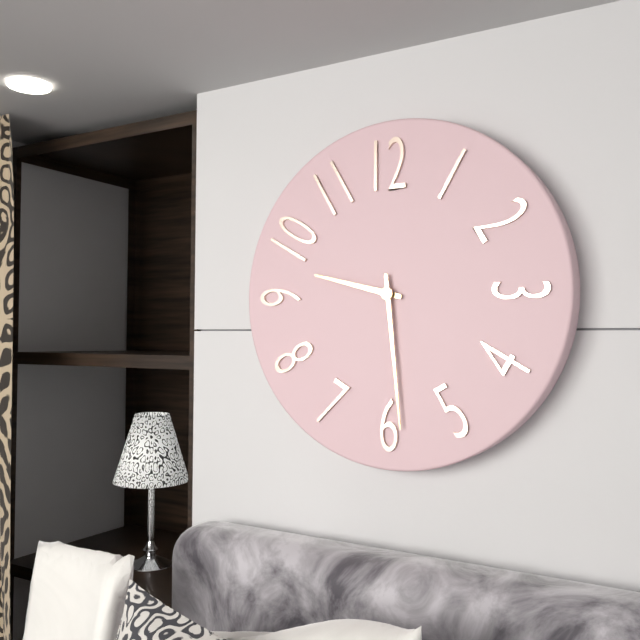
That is **9:29**
